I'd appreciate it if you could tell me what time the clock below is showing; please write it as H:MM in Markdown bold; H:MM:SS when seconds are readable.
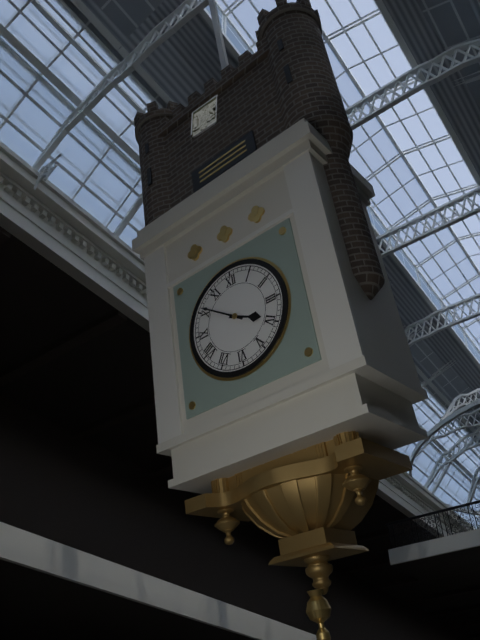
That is **3:51**
